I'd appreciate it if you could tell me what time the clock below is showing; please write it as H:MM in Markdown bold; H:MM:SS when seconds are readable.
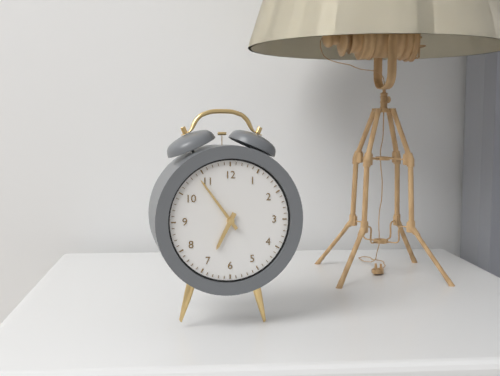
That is **6:54**
